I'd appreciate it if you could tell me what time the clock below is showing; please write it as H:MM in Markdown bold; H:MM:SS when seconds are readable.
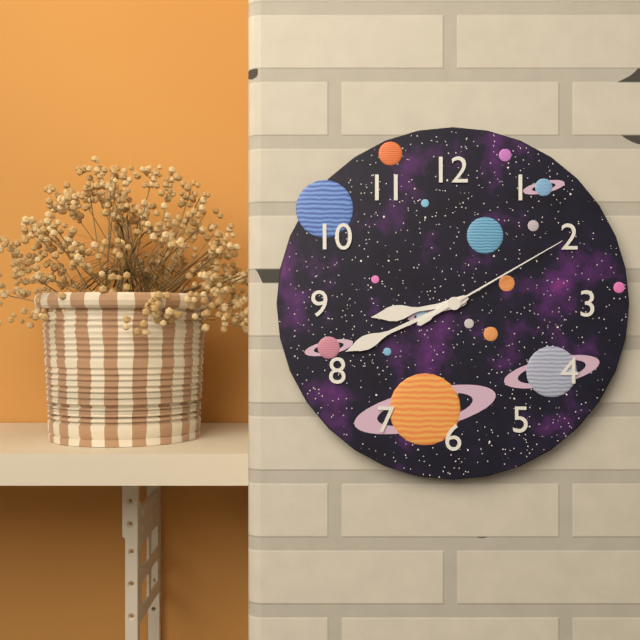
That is **8:41:10**
